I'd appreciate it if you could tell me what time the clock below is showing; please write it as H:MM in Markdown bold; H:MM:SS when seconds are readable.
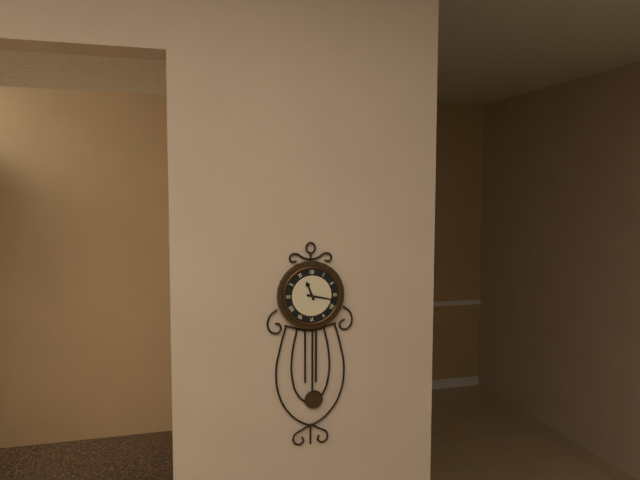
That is **11:17**
